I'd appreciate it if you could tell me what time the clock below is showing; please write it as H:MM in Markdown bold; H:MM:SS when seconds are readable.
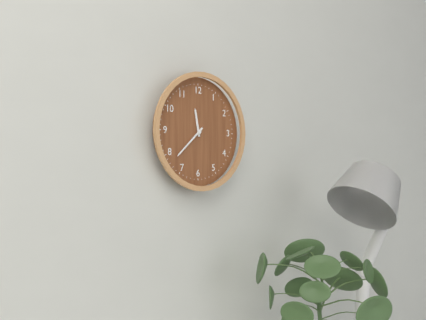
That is **11:38**
